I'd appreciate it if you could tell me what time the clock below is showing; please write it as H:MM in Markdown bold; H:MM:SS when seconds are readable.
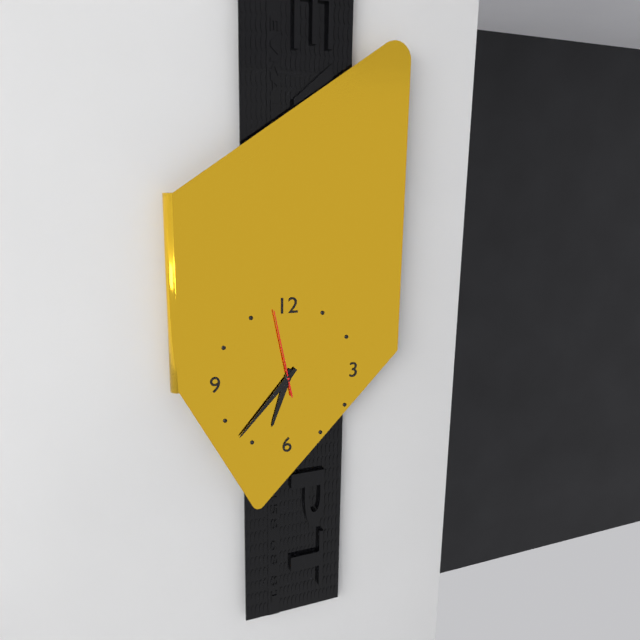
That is **6:37:58**
